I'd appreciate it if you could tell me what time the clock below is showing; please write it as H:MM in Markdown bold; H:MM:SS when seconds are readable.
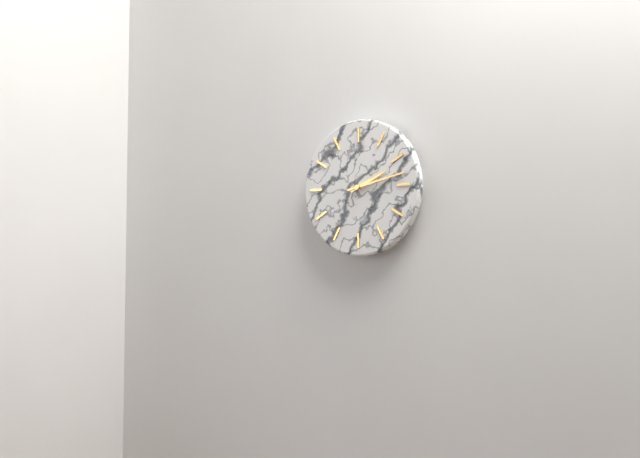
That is **2:13**
